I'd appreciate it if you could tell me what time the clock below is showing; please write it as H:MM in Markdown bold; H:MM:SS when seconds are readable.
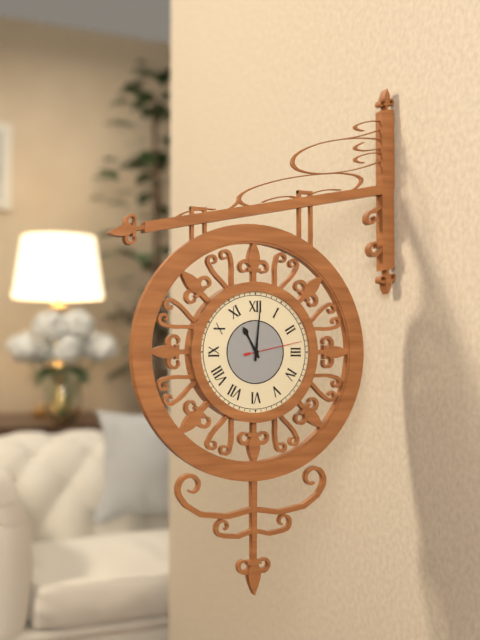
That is **11:01:13**
